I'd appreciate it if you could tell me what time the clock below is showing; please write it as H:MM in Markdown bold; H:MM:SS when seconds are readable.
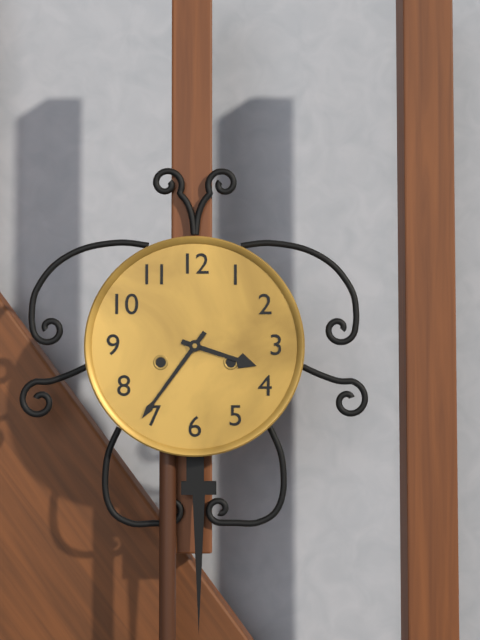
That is **3:36**
